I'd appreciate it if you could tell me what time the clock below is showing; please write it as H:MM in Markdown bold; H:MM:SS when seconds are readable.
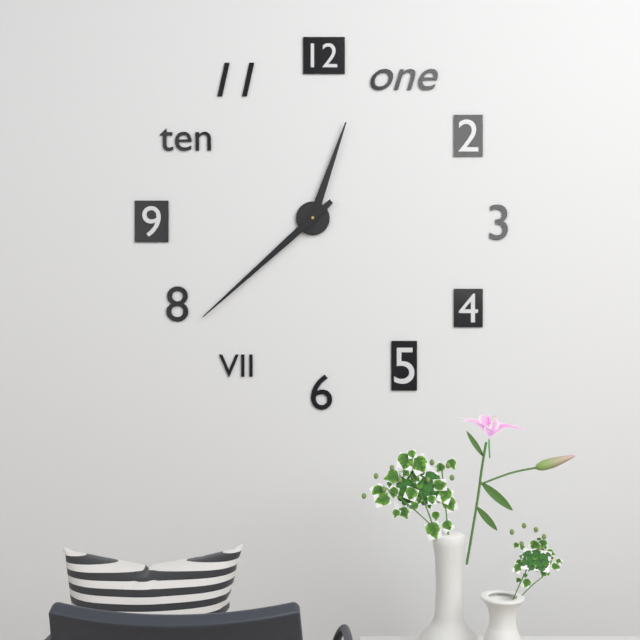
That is **12:38**
